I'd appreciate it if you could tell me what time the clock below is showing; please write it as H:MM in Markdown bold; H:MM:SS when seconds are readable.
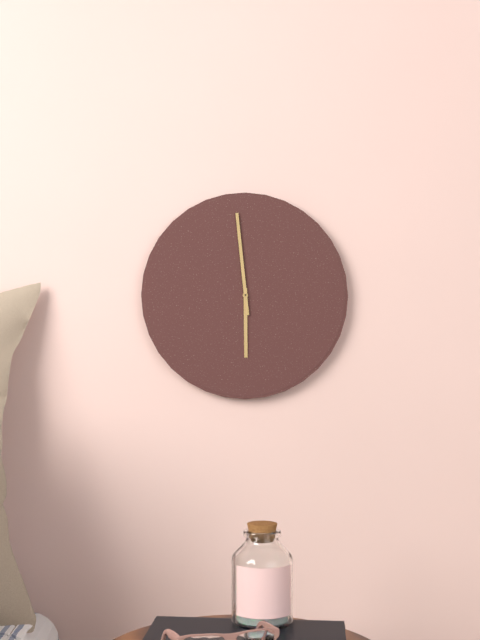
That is **5:59**
